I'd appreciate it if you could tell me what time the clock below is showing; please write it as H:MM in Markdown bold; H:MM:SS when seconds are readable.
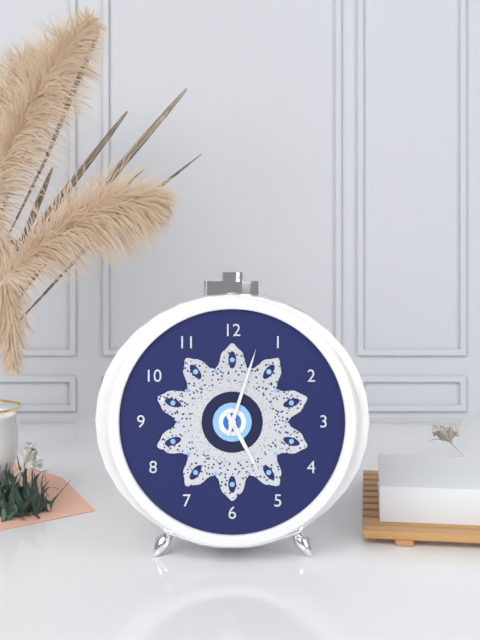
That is **5:03**
